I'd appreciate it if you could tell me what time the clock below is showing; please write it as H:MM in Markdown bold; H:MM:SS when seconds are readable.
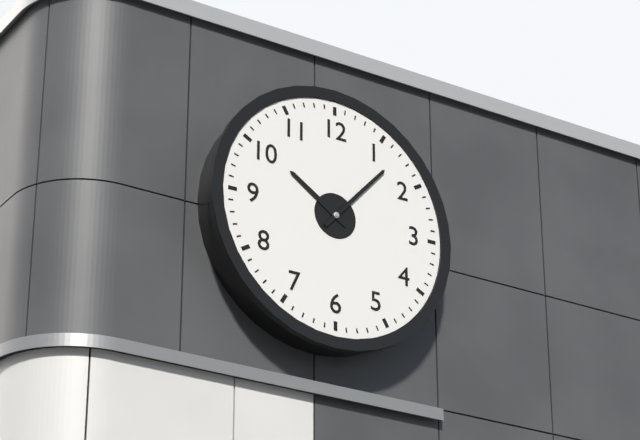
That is **10:07**
